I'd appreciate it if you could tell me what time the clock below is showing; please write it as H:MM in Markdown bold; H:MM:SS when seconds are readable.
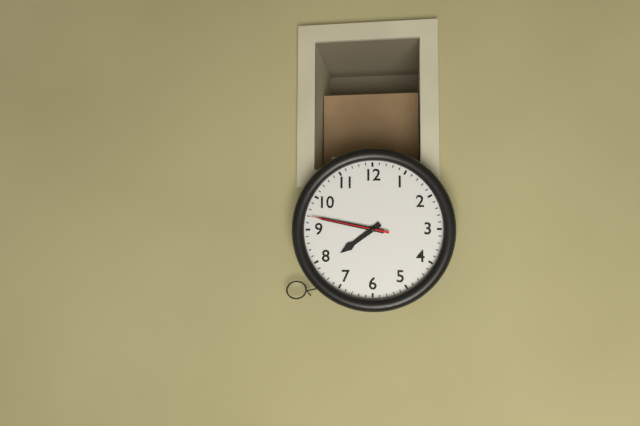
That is **7:47:47**
